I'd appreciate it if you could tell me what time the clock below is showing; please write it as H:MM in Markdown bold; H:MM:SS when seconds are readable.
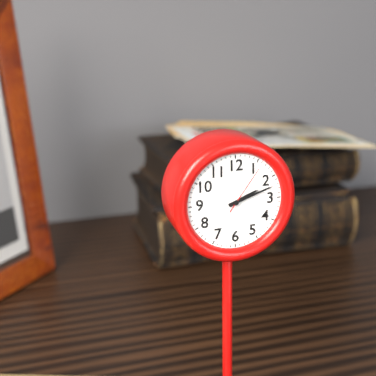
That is **2:12:06**
